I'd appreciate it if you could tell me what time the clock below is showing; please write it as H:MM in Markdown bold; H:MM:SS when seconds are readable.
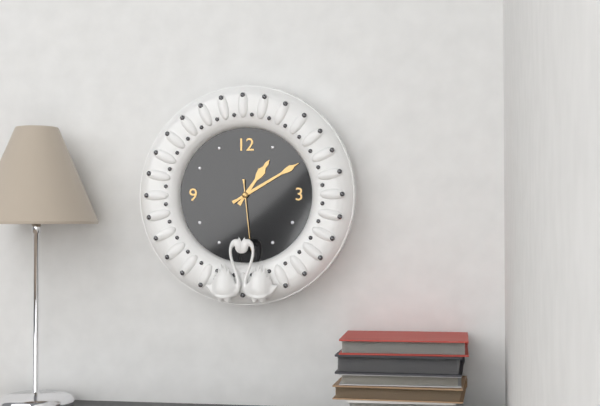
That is **1:10:29**
